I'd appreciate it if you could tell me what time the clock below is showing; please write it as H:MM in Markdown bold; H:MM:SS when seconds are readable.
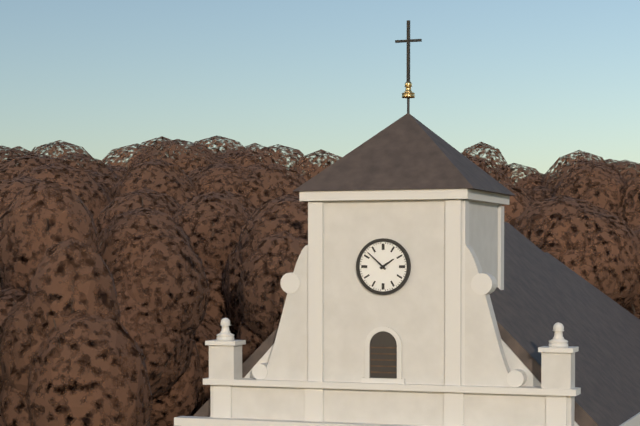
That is **1:52**
